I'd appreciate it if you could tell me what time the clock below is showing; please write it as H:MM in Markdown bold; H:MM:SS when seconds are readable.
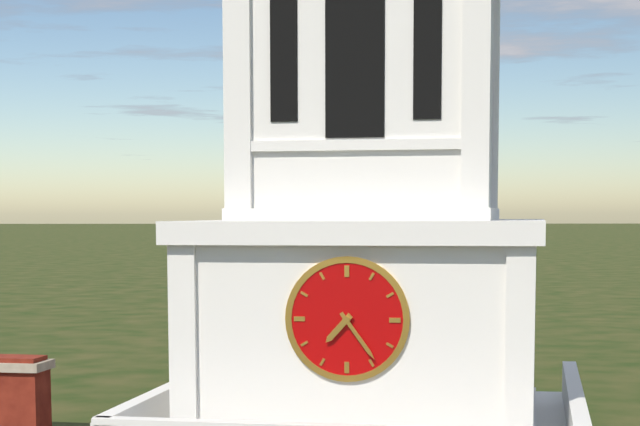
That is **7:24**
